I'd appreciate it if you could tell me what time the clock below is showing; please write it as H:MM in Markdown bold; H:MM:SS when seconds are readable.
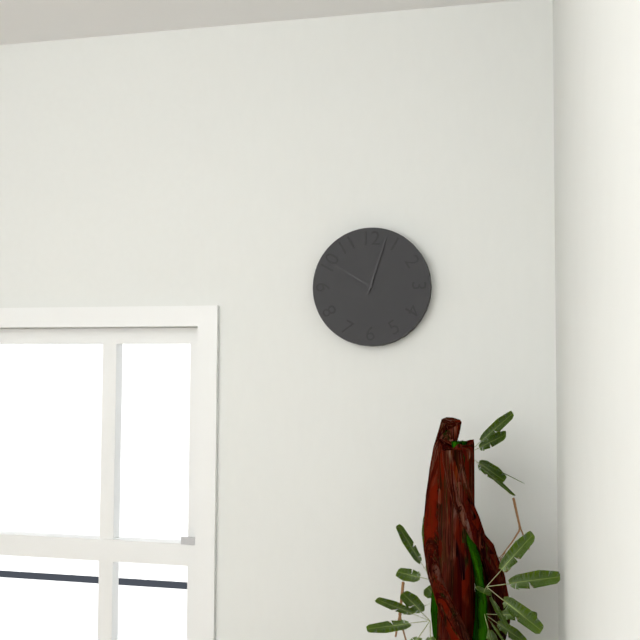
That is **10:03**
